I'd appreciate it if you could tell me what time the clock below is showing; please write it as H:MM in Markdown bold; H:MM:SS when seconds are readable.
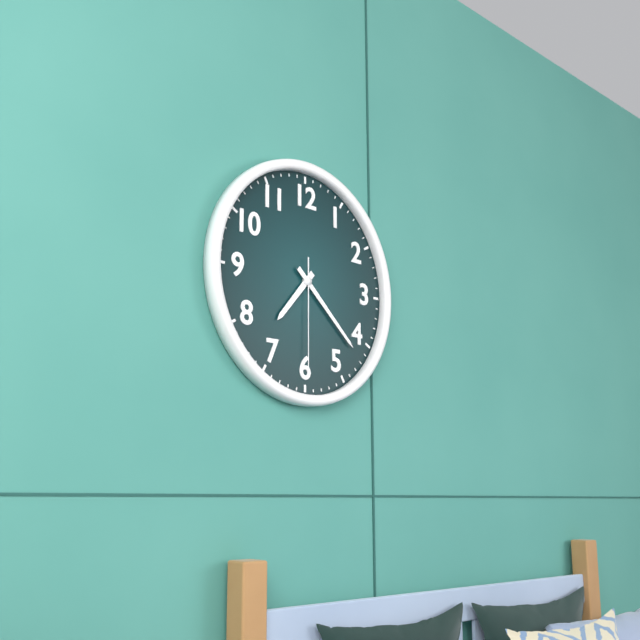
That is **7:22:30**
